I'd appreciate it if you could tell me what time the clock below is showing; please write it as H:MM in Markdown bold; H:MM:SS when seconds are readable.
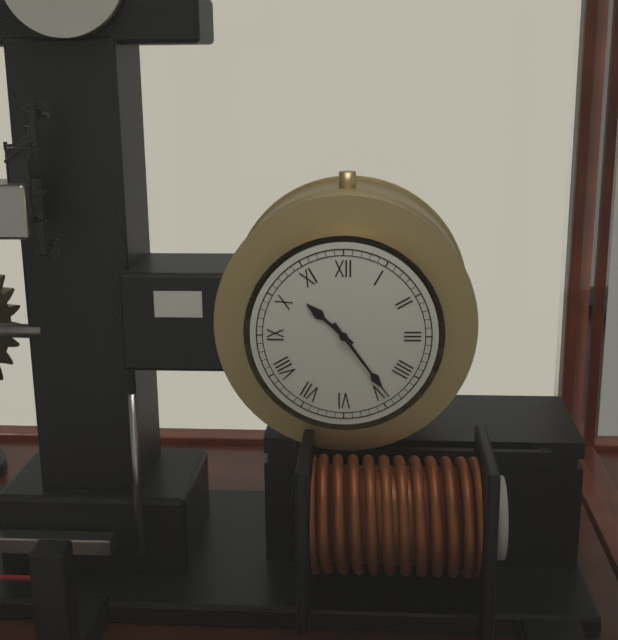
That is **10:24**
